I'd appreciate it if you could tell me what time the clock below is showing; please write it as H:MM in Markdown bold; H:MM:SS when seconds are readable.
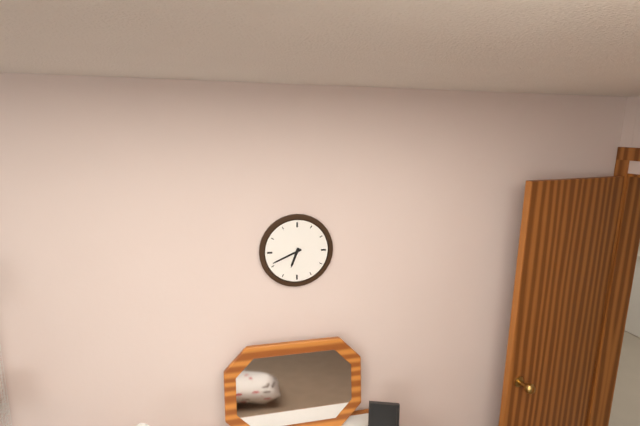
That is **6:41**
